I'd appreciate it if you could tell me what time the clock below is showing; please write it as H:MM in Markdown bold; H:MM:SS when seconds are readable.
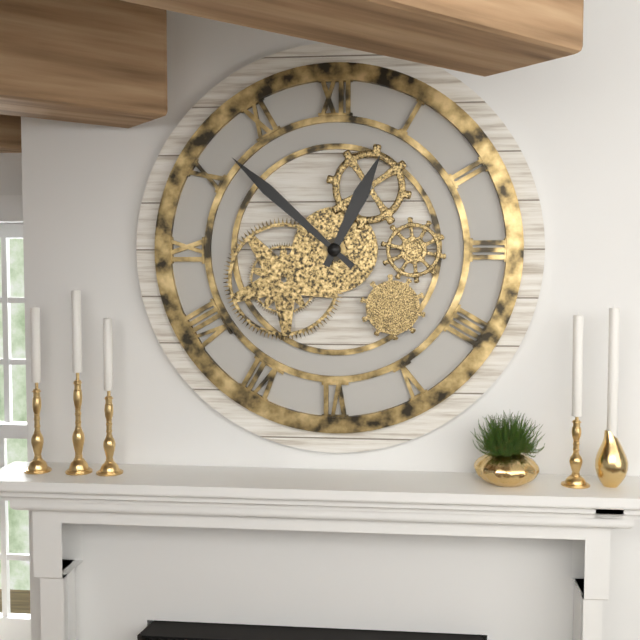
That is **12:52**
